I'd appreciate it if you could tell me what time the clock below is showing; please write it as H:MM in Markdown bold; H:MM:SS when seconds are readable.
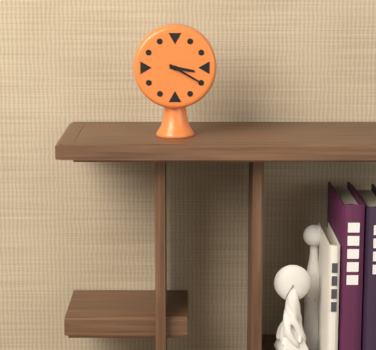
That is **3:20**
